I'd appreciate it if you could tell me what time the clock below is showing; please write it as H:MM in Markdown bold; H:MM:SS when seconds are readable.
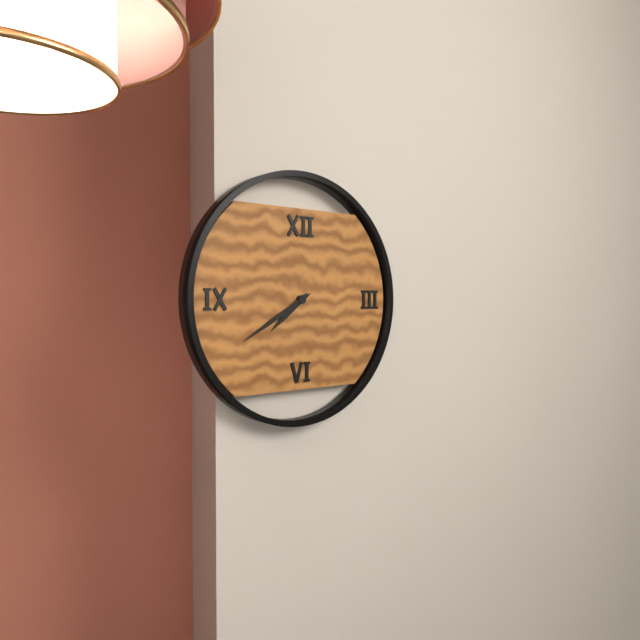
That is **7:40**
